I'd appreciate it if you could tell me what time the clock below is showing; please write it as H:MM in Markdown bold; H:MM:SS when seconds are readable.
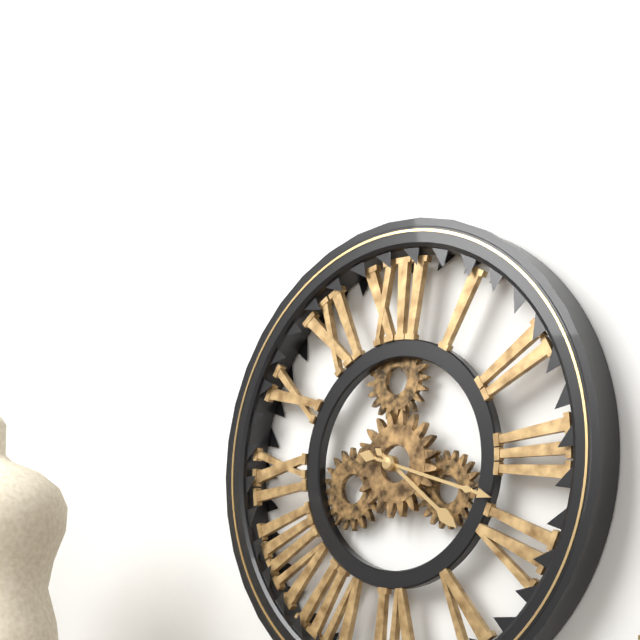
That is **4:18**
